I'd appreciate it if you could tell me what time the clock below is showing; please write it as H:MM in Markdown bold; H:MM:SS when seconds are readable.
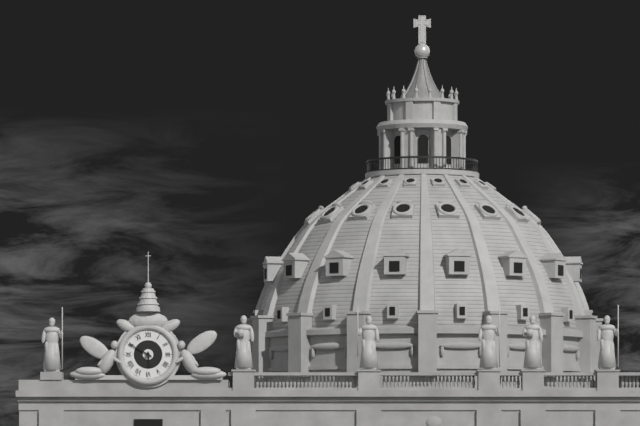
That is **5:50**
